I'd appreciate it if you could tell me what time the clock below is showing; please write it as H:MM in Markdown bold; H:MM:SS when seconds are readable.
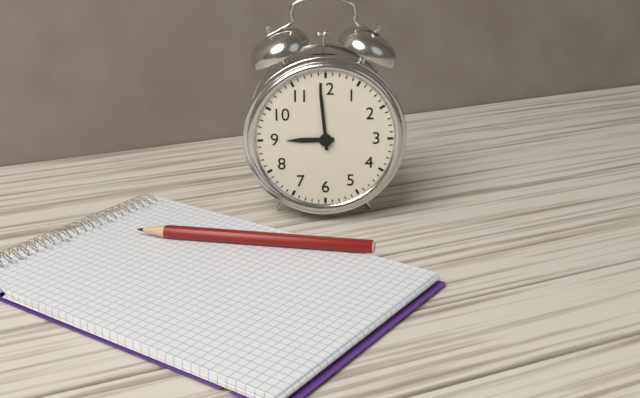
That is **8:59**
